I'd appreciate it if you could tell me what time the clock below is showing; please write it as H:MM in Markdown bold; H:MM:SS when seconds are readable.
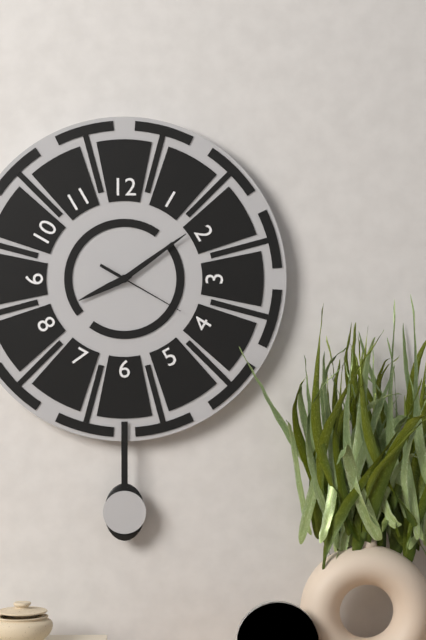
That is **8:09:20**
